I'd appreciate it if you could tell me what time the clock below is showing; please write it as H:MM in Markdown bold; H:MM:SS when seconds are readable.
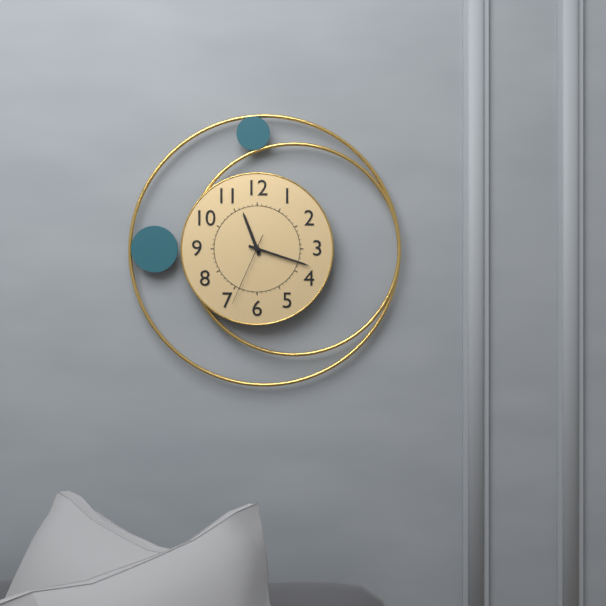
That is **11:18:34**
